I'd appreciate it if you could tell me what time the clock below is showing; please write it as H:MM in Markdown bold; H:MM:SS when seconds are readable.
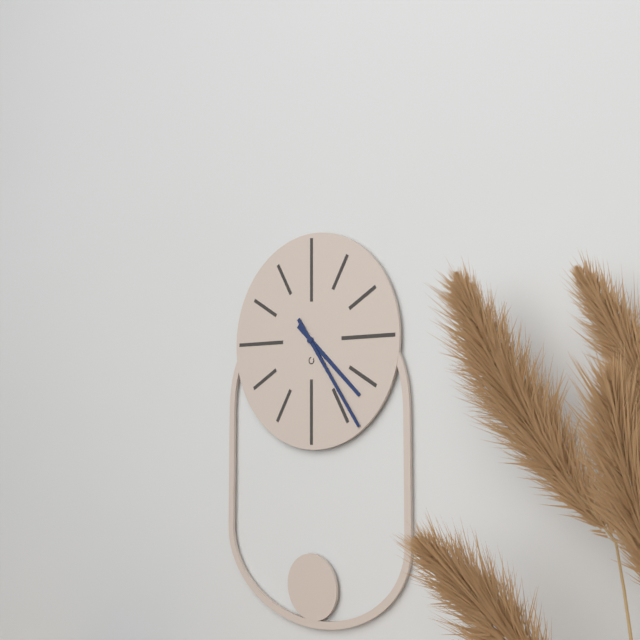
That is **4:24**
